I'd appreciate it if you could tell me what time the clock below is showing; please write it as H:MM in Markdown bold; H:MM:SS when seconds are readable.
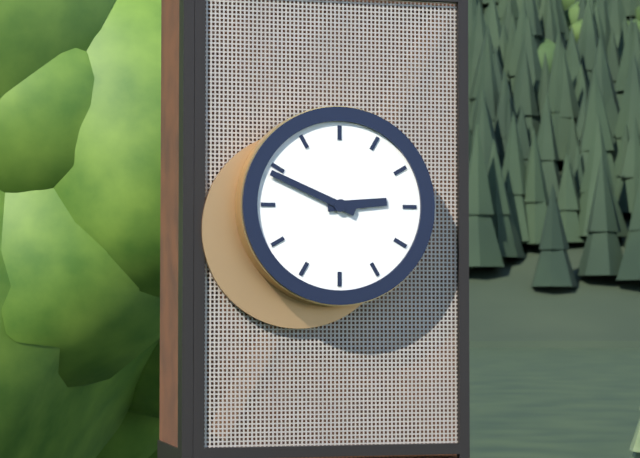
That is **2:49**
